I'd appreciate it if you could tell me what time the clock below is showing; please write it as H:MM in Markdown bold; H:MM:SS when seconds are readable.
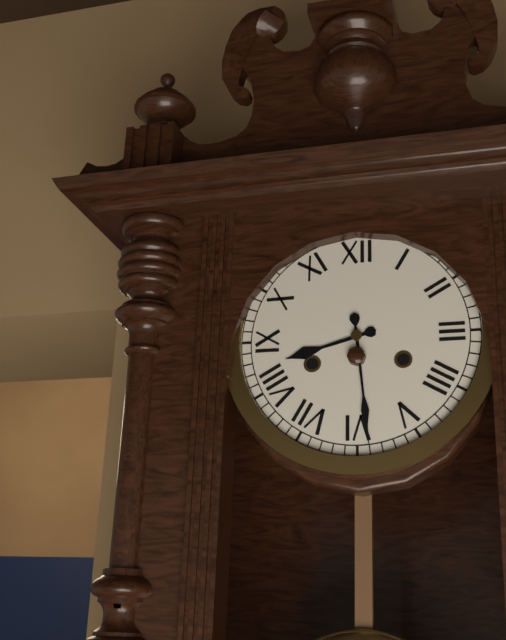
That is **8:29**
